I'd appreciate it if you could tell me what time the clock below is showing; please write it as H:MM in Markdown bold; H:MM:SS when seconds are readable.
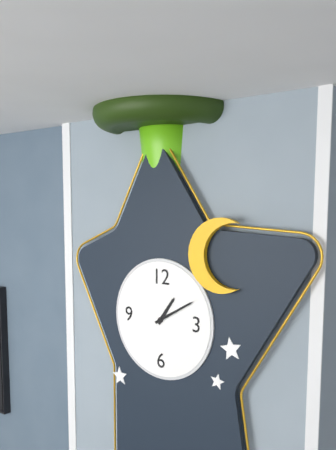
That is **1:10**
